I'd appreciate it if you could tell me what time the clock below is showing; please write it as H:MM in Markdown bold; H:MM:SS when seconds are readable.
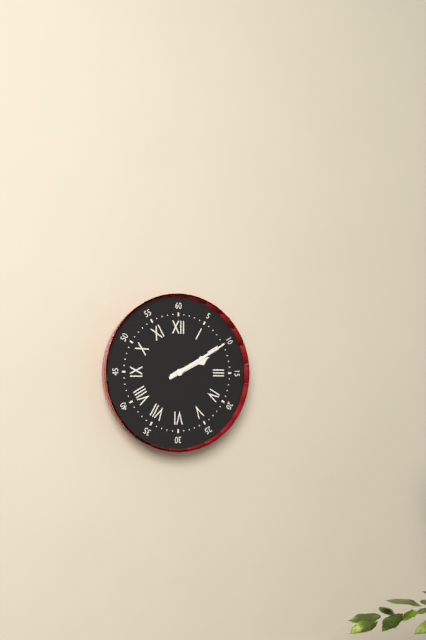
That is **2:10**
